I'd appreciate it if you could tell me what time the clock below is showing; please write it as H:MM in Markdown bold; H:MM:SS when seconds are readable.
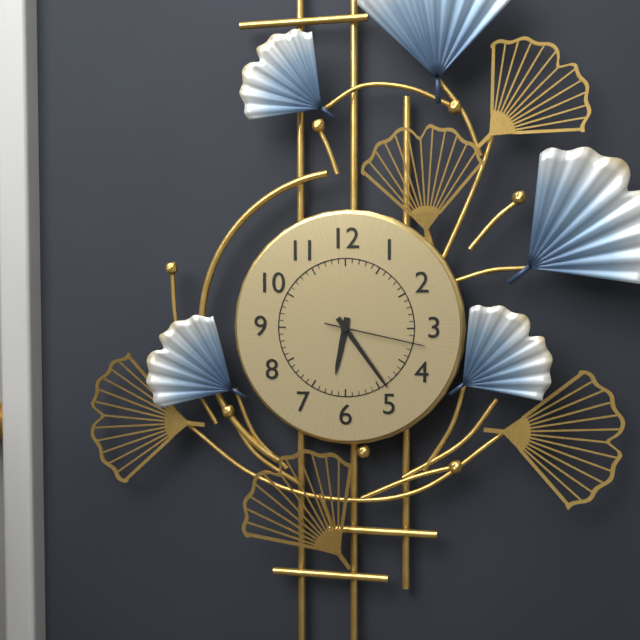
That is **6:24:17**
